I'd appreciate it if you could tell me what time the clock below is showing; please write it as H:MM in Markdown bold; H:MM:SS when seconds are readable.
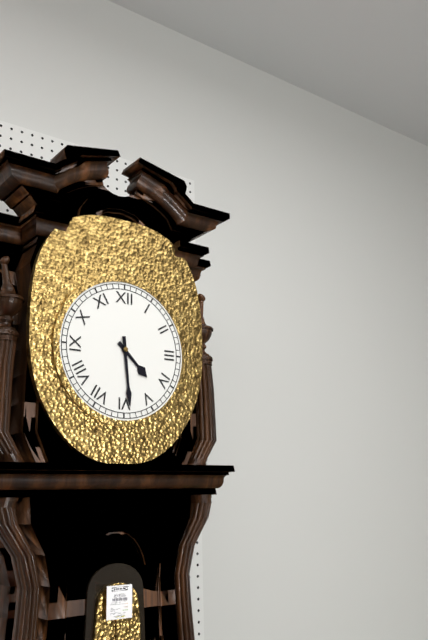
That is **4:29**
